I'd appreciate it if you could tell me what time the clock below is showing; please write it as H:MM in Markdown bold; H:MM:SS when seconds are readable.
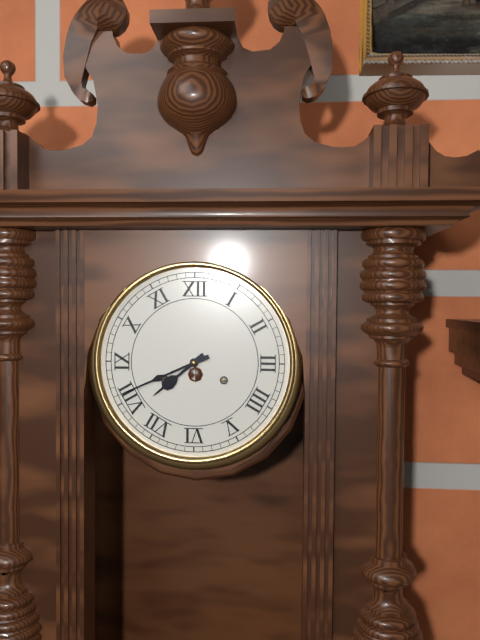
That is **7:41**
